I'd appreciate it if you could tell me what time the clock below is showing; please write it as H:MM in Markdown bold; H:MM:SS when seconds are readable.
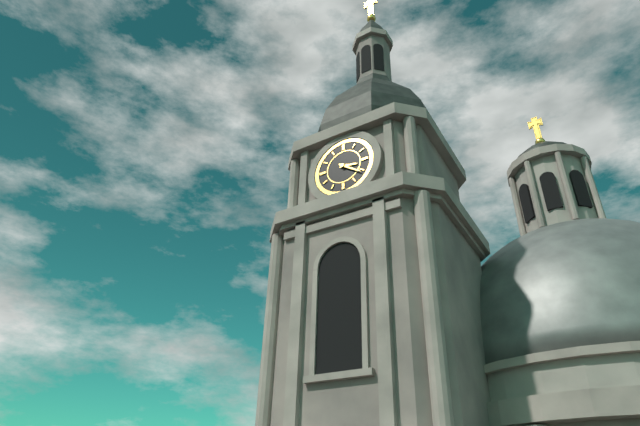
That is **3:21**
